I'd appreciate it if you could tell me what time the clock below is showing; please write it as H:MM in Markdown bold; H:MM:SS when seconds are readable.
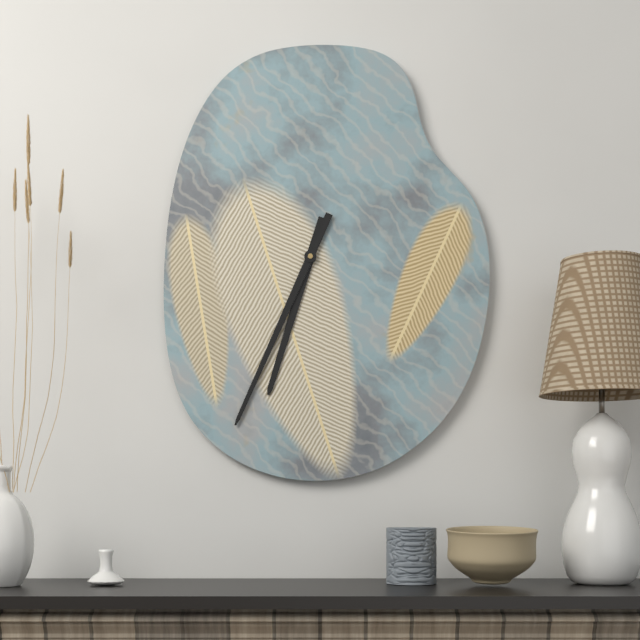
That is **6:34**
